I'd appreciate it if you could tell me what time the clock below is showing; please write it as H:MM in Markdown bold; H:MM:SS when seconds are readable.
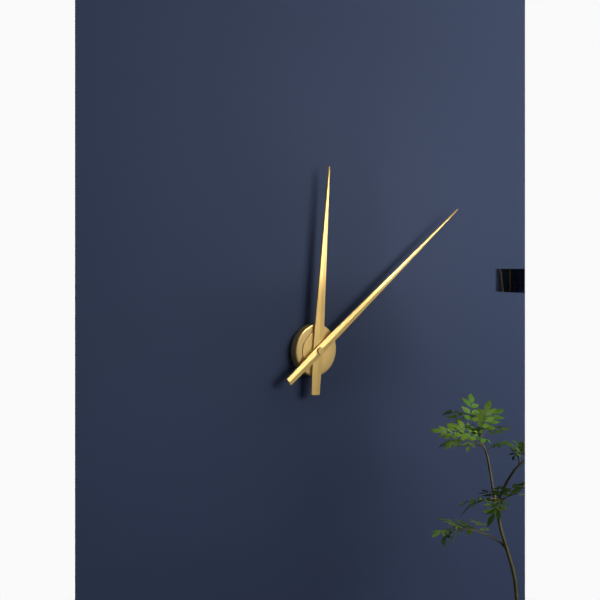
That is **12:09**
